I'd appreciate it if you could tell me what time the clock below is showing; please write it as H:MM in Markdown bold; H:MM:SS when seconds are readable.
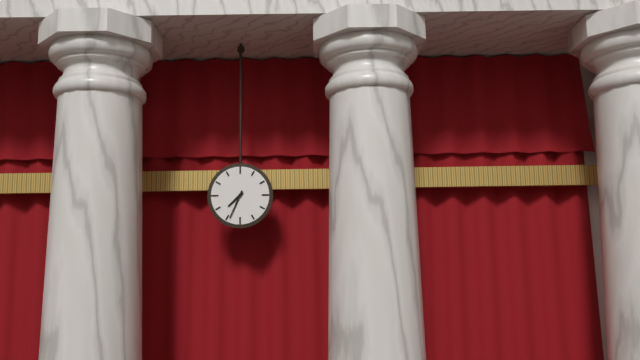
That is **7:34**
